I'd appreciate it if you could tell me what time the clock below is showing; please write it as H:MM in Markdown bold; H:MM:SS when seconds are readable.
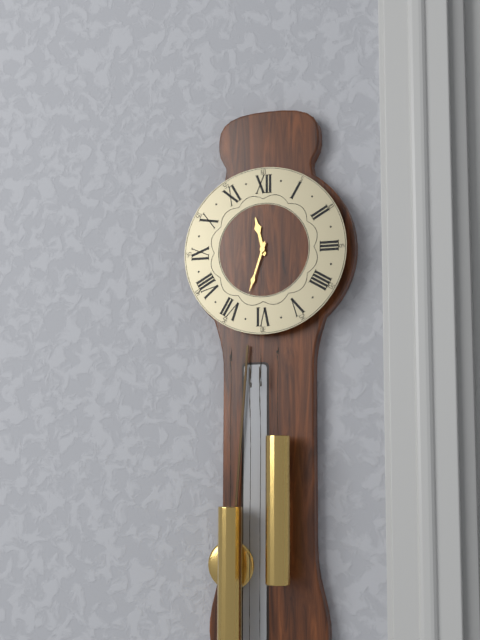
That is **11:33**
